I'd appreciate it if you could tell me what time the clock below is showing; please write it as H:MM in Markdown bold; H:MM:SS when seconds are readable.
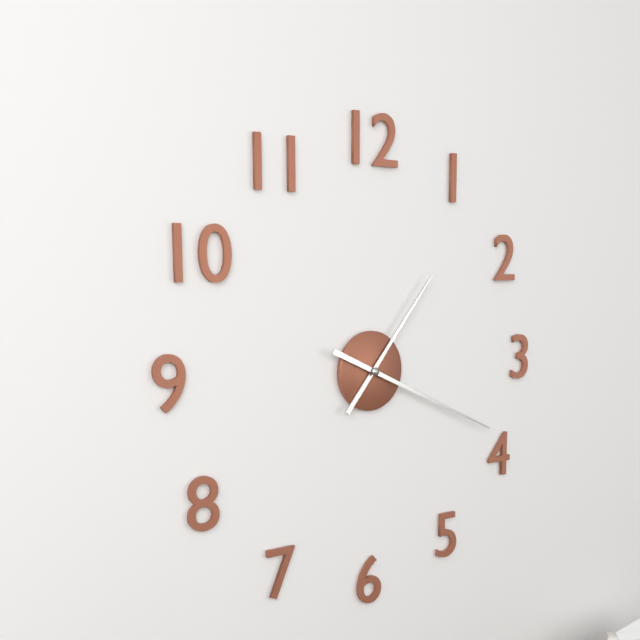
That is **1:19**
